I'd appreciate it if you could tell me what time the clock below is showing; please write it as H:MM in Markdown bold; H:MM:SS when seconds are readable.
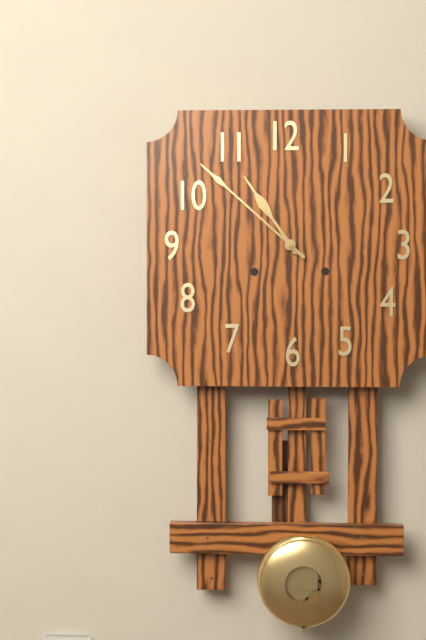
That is **10:52**
